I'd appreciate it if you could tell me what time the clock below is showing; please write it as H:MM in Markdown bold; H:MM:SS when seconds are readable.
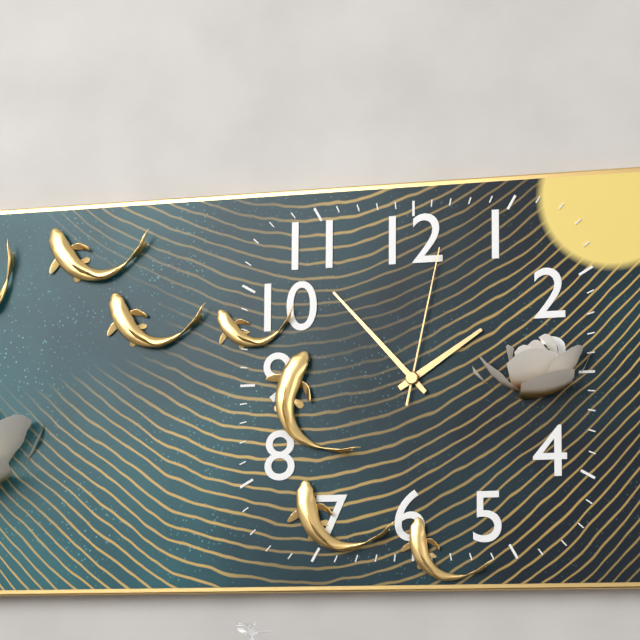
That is **1:53:02**
